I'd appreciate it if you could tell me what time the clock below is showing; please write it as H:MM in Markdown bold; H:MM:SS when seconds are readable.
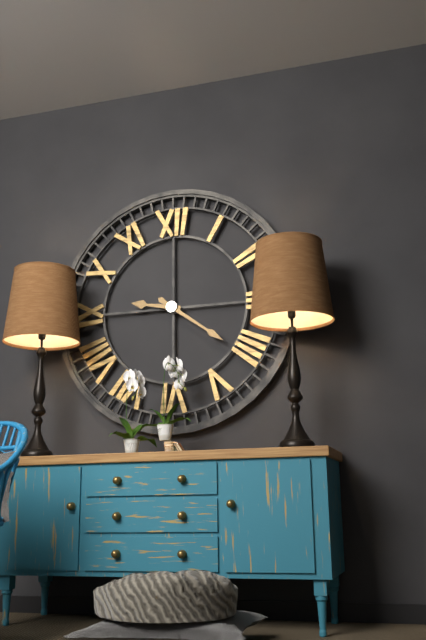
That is **9:21**
